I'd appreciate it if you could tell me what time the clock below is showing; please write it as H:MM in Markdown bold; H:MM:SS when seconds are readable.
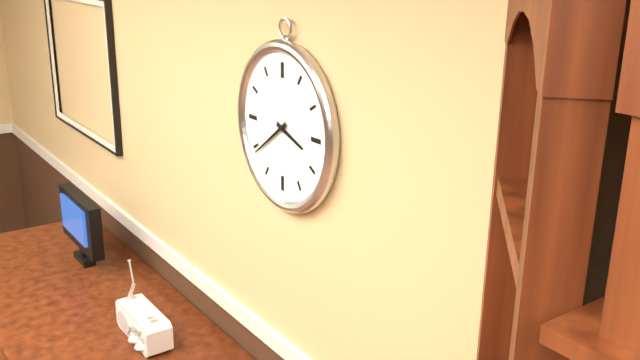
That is **3:39**
